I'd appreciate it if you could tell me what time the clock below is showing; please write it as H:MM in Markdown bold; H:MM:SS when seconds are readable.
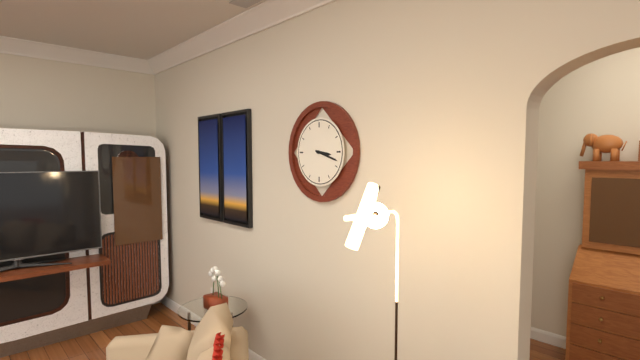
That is **3:18**
